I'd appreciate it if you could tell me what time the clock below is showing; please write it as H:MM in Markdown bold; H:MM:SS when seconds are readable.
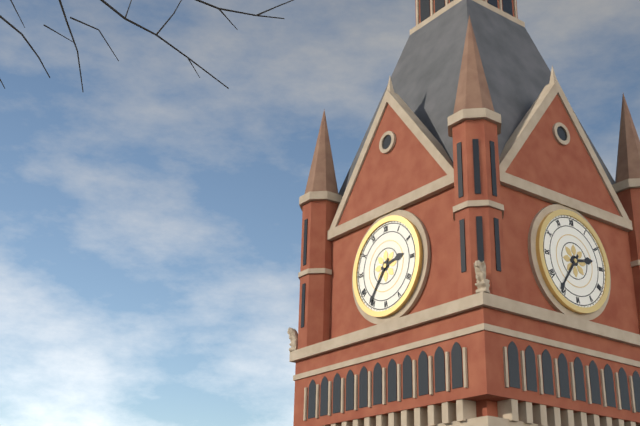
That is **2:36**
